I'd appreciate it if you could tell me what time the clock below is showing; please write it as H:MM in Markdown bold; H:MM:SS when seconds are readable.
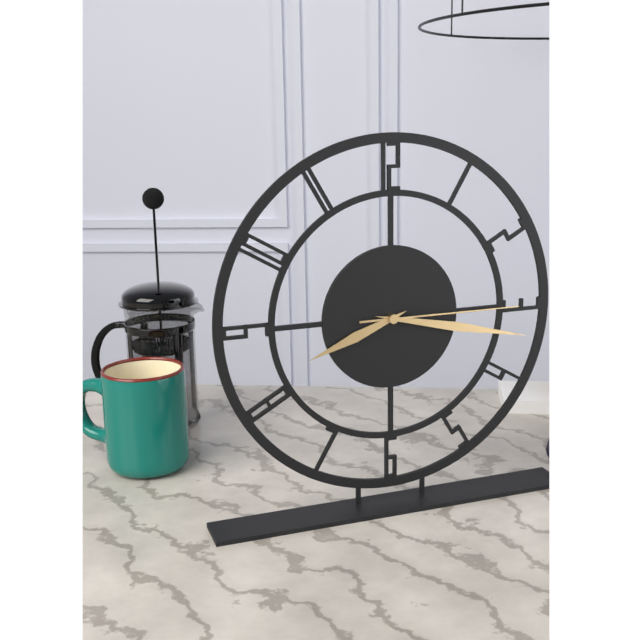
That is **8:17:15**
